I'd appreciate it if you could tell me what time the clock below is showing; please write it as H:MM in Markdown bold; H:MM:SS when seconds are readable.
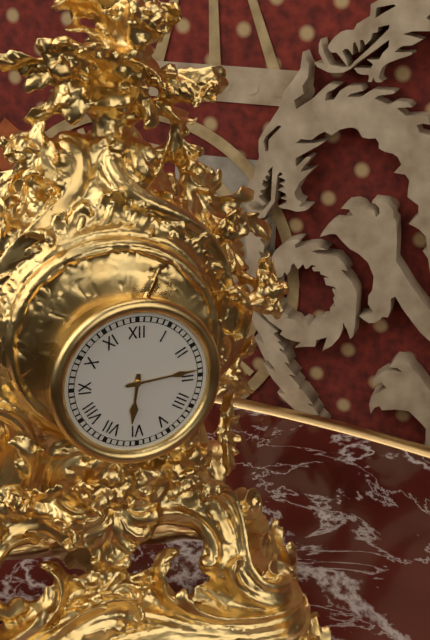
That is **6:14**
